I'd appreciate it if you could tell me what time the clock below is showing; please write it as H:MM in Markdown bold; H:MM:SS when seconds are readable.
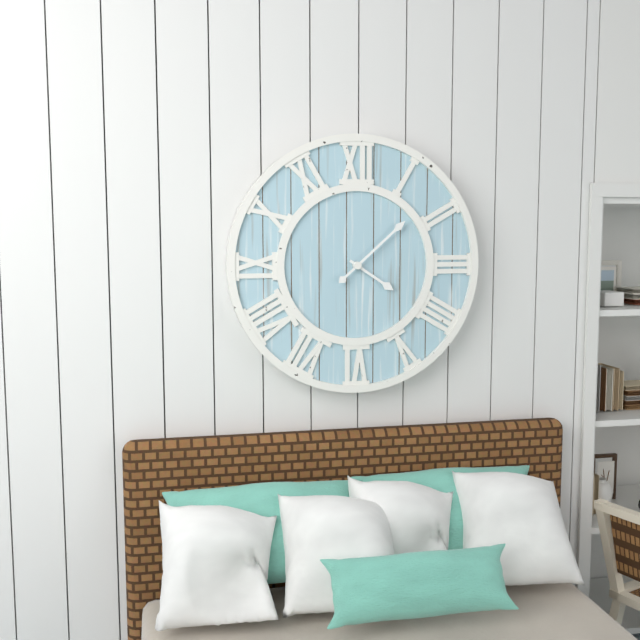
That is **4:08**
